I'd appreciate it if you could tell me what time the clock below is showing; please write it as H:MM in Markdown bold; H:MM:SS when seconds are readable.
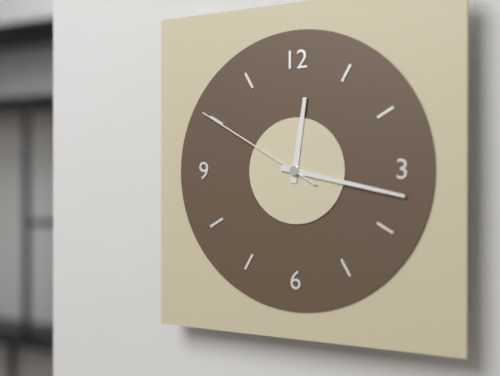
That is **12:17:50**
